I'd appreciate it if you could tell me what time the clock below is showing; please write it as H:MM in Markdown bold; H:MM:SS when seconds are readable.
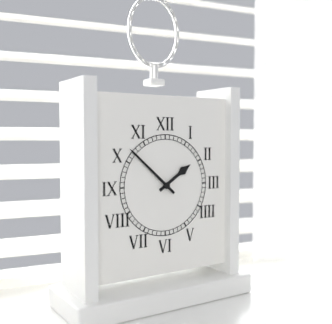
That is **1:52**
